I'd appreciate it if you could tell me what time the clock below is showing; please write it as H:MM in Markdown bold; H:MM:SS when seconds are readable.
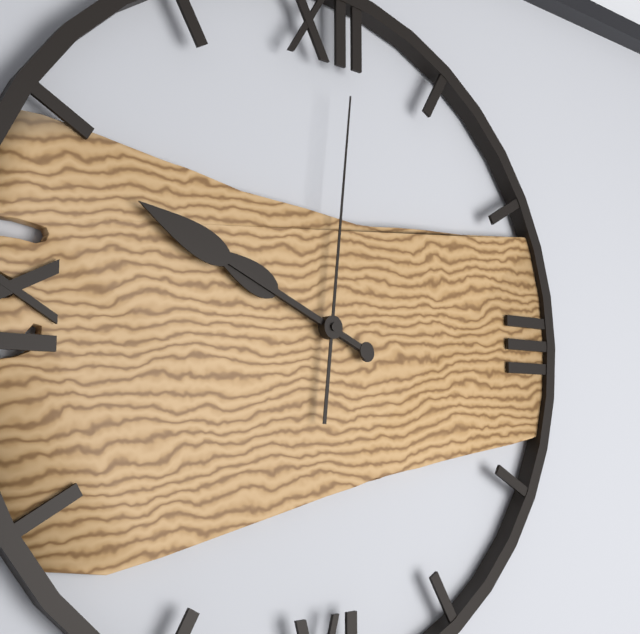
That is **9:49:01**
